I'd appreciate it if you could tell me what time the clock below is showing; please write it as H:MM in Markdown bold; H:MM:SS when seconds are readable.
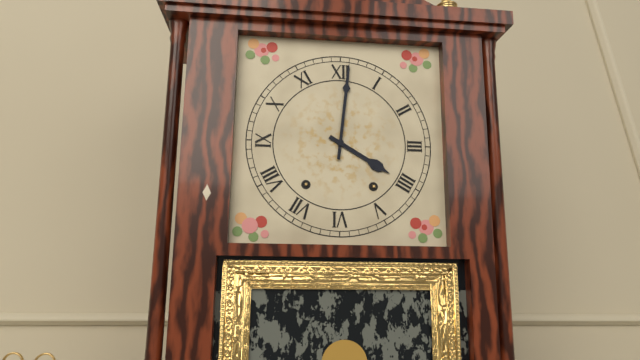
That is **4:01**
